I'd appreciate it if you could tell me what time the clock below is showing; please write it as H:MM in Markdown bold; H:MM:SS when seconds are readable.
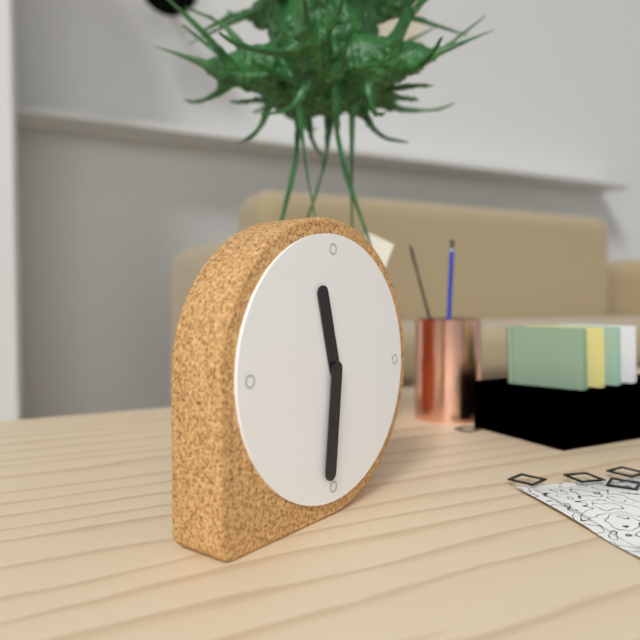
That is **11:31**
